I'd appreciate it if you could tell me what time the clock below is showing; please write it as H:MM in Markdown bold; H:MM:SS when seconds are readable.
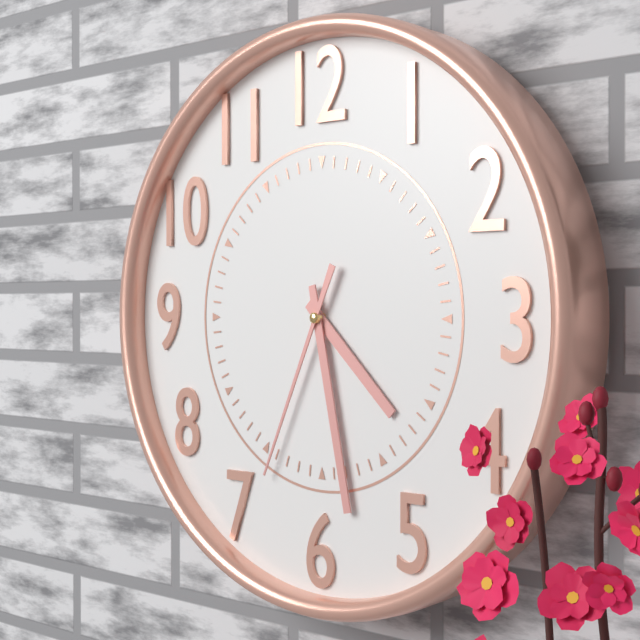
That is **4:28:34**
